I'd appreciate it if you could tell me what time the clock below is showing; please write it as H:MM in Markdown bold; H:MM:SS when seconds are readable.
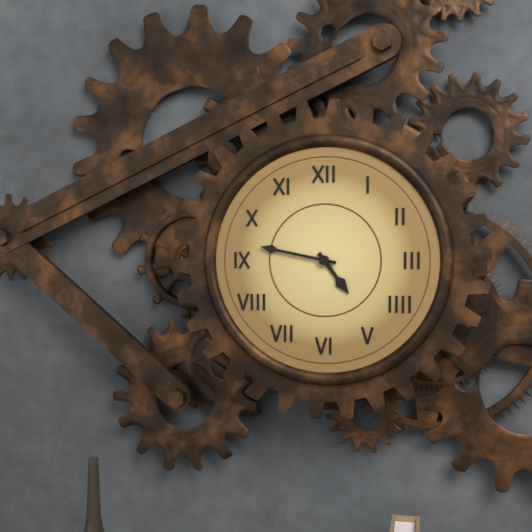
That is **4:47**
